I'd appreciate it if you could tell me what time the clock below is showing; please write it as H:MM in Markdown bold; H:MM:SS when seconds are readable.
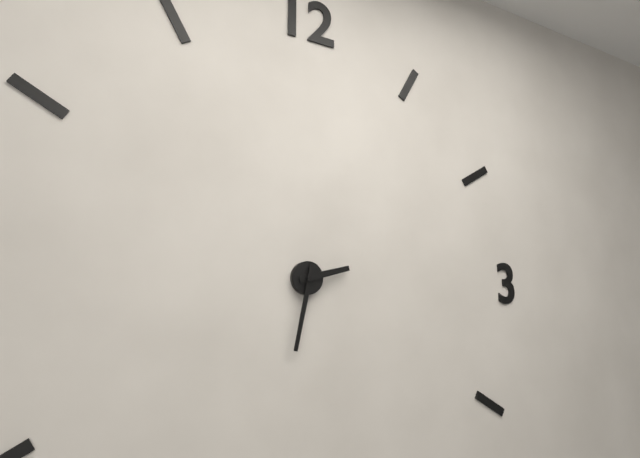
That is **2:32**
